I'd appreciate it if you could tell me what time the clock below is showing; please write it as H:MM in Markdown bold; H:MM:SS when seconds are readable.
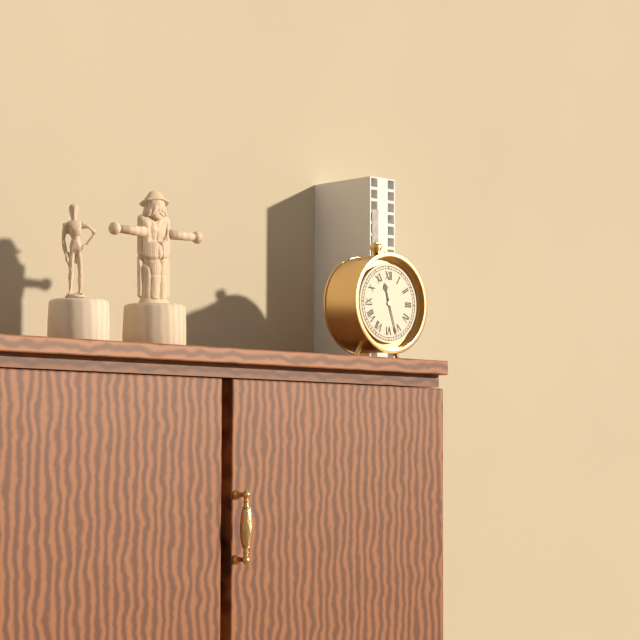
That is **11:27**
